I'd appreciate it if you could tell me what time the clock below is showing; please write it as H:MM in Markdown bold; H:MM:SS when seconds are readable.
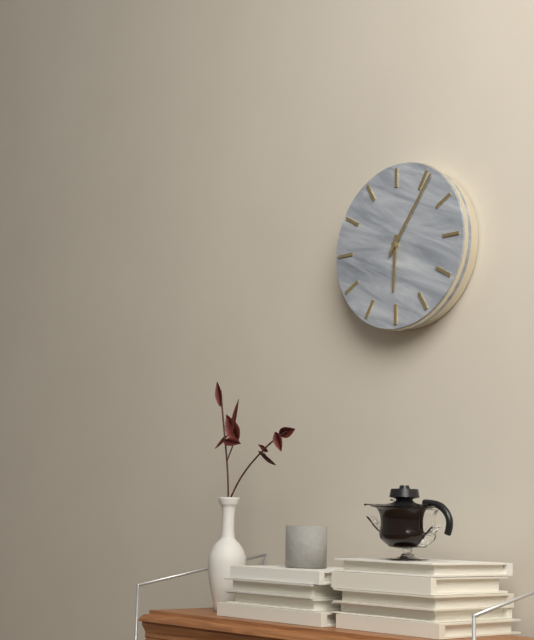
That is **6:06**
